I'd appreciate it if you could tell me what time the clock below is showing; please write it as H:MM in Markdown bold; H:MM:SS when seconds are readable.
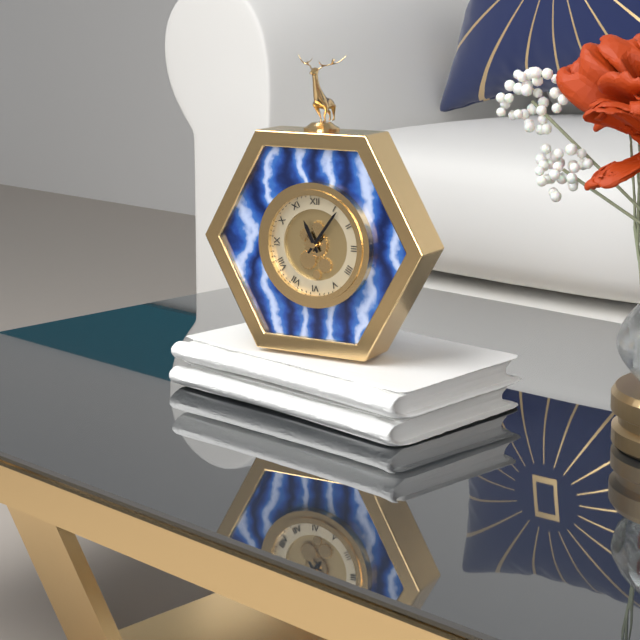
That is **11:06**
